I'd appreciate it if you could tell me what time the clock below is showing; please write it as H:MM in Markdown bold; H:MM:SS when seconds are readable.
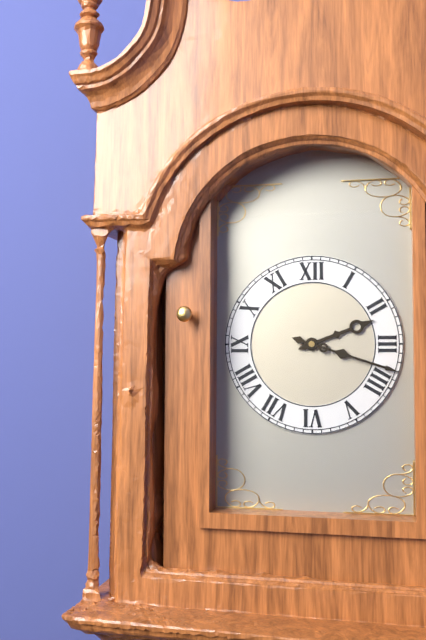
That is **2:18**
